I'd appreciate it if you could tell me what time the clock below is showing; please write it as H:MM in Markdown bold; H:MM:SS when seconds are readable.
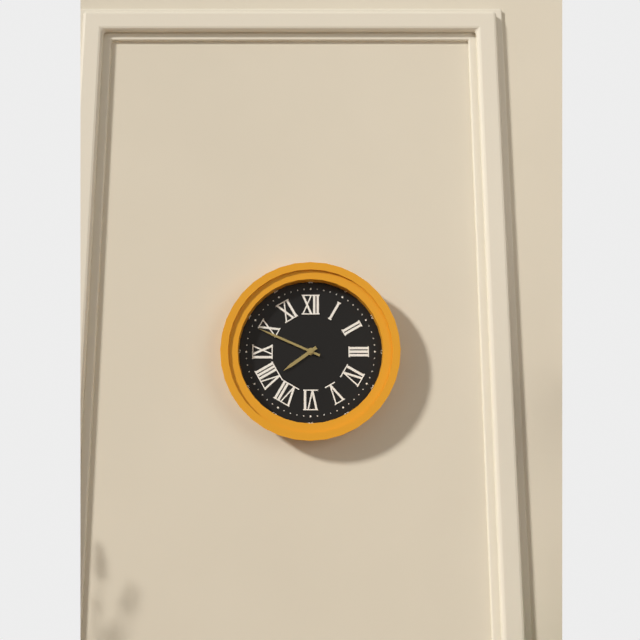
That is **7:49**
